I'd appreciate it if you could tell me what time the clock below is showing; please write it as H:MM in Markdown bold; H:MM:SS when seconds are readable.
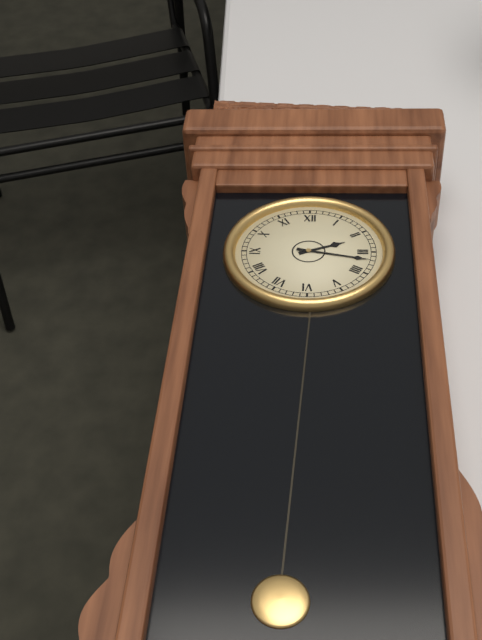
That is **2:17**
